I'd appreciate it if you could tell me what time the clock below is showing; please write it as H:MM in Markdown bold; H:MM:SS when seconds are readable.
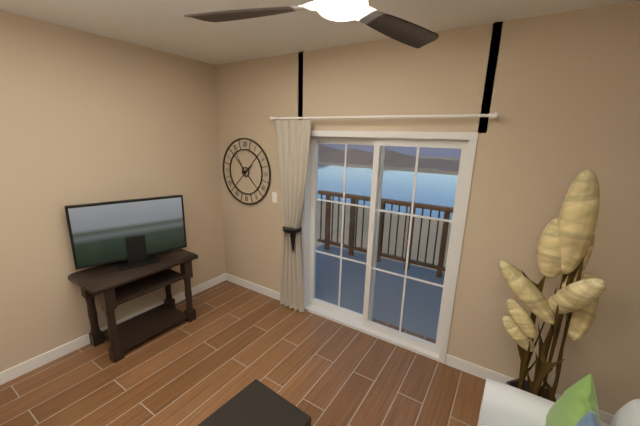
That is **1:55**
